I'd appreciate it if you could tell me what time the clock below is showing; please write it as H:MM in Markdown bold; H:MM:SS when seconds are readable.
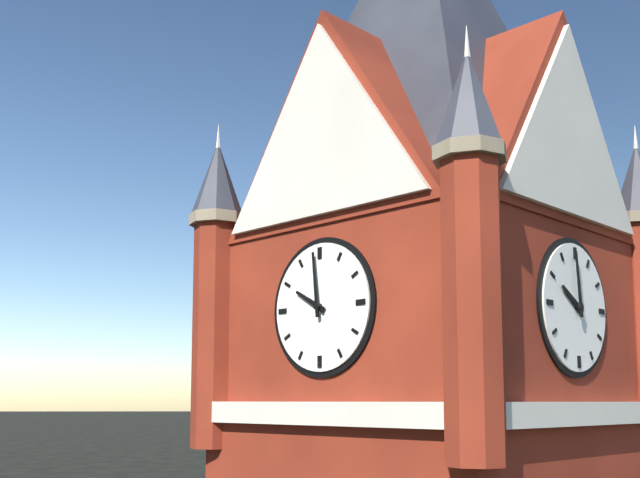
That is **9:59**
